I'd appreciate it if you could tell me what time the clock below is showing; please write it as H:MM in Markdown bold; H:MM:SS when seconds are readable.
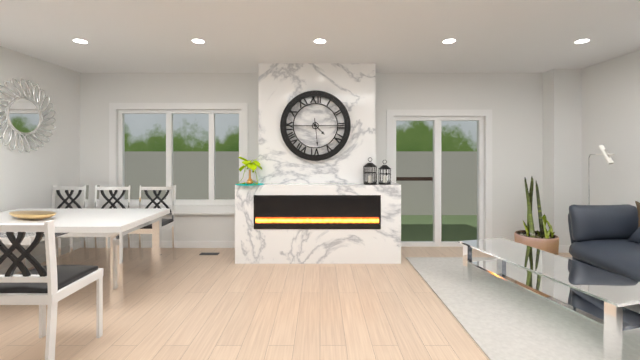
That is **4:29**
